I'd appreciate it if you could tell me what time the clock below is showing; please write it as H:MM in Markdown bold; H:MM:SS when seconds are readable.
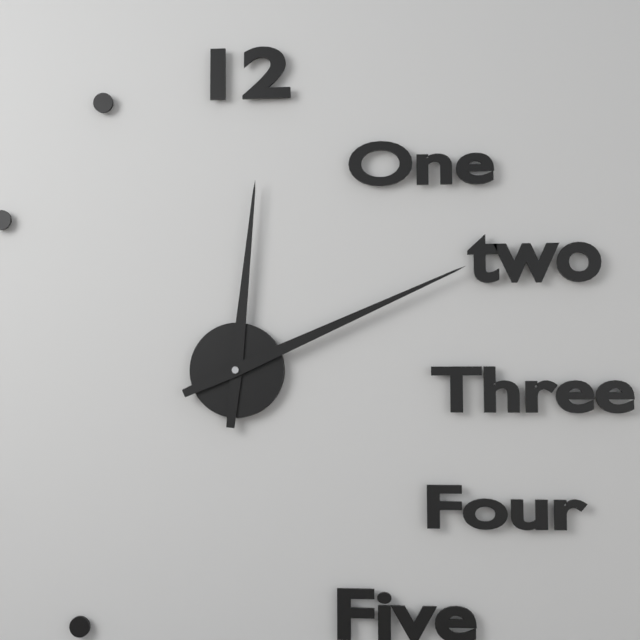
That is **12:11**
